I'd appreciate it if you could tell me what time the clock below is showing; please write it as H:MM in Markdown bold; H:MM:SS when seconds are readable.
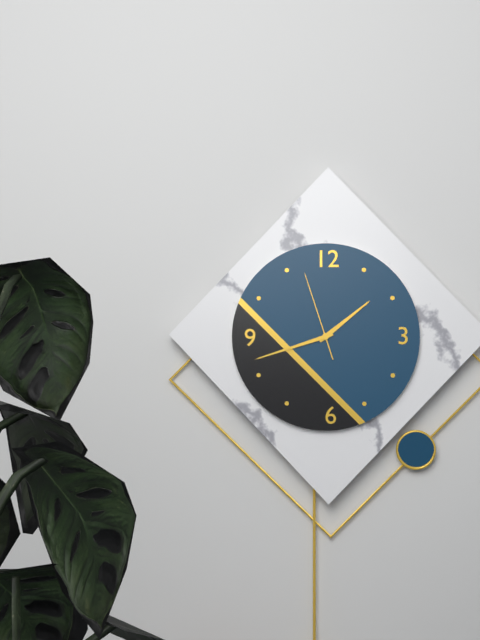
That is **1:42:57**
